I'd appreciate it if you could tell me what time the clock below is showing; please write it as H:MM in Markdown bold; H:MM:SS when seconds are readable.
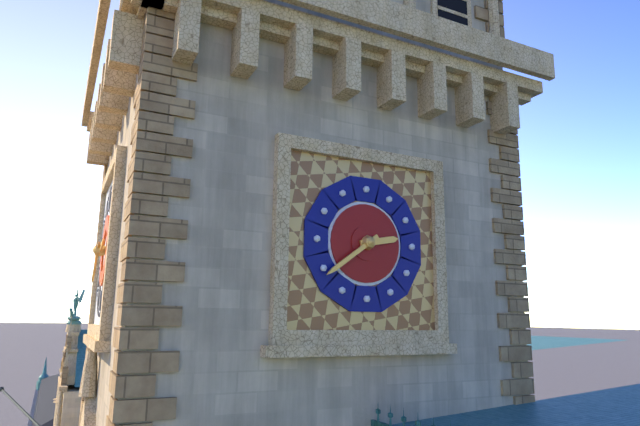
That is **2:39**
